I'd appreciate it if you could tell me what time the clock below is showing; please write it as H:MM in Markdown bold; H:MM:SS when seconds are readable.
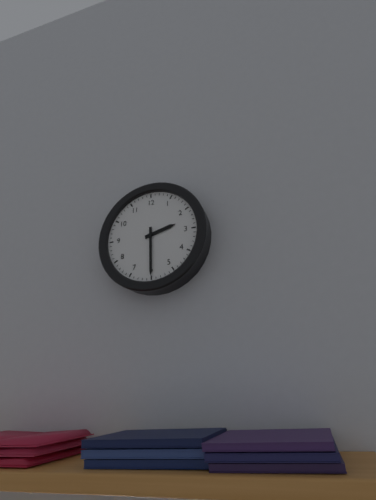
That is **2:30**
